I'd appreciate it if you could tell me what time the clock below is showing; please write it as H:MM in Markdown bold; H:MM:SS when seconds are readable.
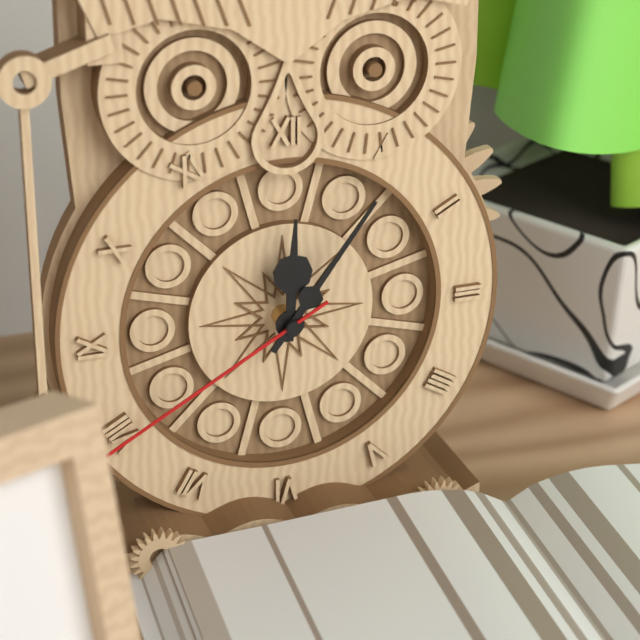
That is **12:06:40**
